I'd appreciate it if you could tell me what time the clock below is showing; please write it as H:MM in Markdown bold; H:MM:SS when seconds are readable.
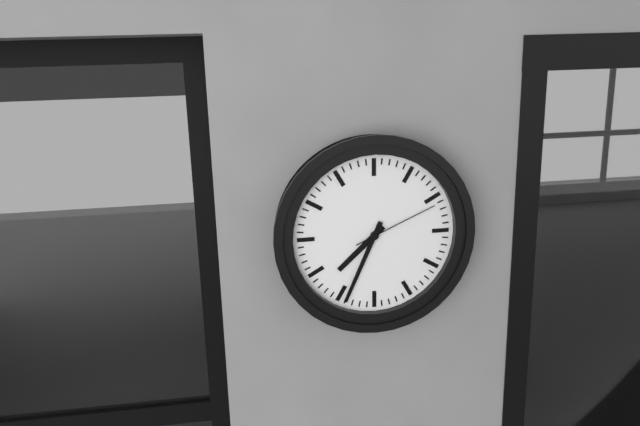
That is **7:34:11**
